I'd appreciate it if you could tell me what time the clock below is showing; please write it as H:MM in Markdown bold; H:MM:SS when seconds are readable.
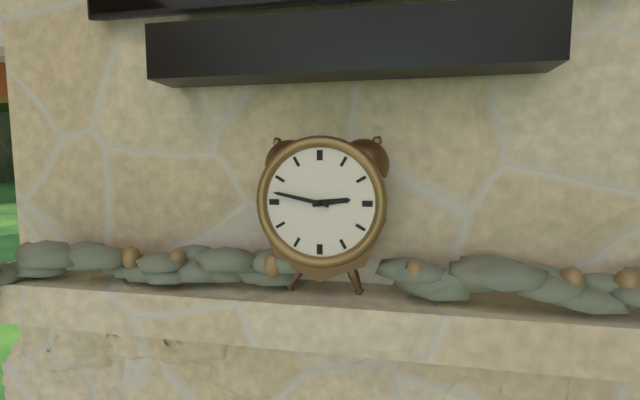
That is **2:47**
